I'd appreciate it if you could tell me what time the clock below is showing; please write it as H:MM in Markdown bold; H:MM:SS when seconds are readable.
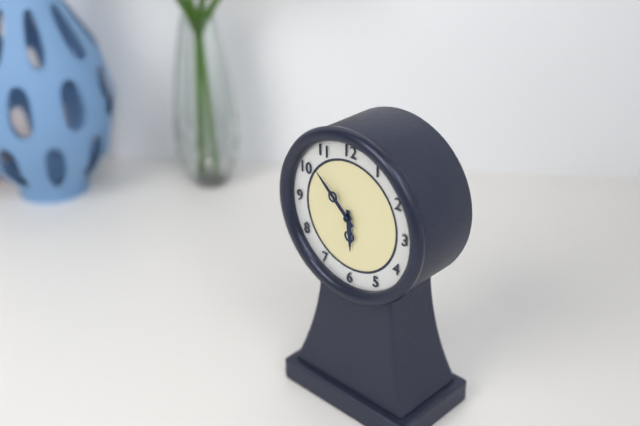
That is **5:52**
